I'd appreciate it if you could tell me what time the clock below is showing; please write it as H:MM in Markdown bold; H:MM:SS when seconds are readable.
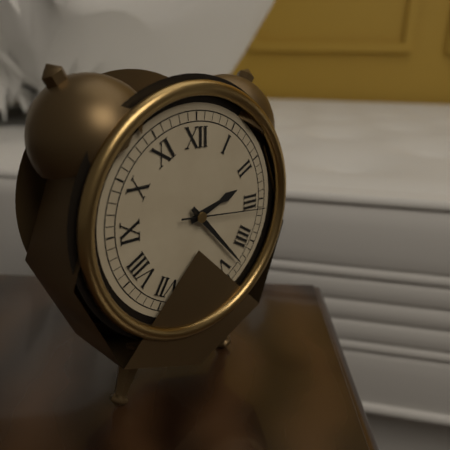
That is **2:23:16**
